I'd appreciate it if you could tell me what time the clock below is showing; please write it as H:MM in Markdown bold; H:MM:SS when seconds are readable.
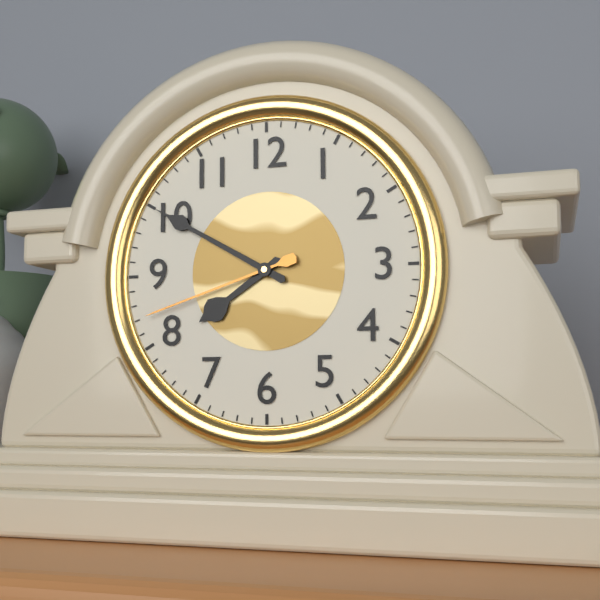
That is **7:50:42**
